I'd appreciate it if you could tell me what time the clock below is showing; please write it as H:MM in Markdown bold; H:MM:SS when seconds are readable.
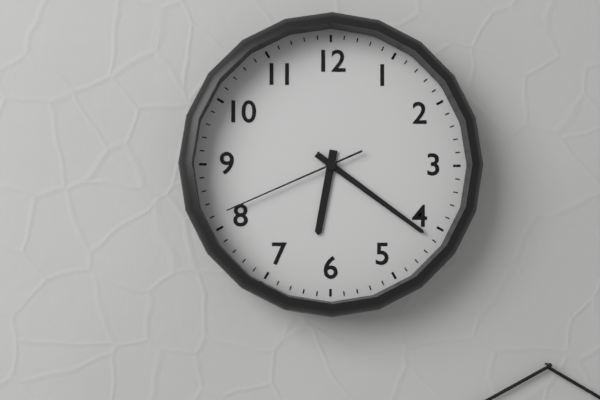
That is **6:21:41**
